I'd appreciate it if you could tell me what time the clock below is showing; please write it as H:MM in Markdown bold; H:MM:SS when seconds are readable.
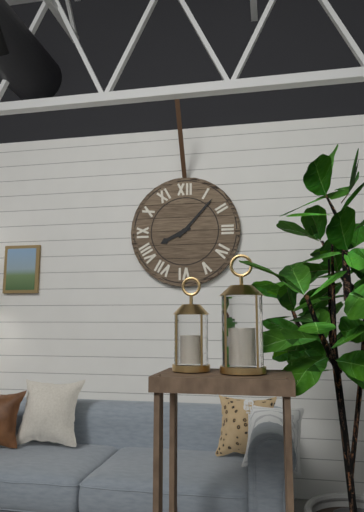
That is **8:07**
